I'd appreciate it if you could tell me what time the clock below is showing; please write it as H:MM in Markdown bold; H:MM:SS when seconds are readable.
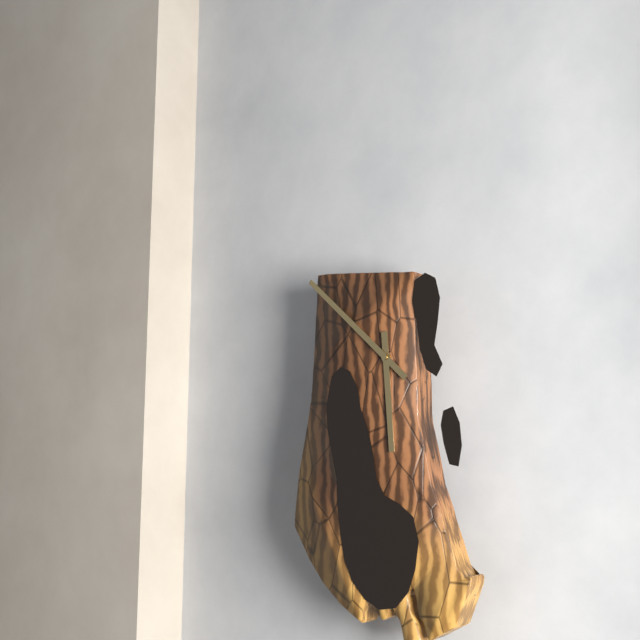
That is **5:52**
